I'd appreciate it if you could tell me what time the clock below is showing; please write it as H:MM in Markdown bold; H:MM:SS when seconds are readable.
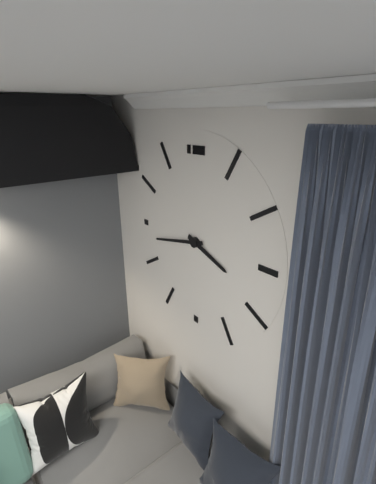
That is **3:43**
